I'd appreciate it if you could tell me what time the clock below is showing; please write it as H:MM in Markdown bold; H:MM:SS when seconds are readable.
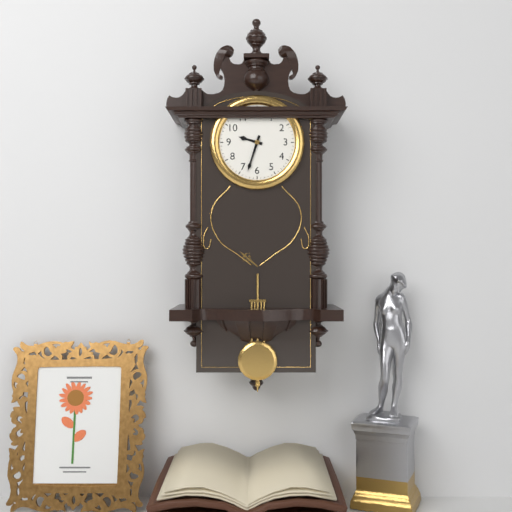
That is **9:33**
